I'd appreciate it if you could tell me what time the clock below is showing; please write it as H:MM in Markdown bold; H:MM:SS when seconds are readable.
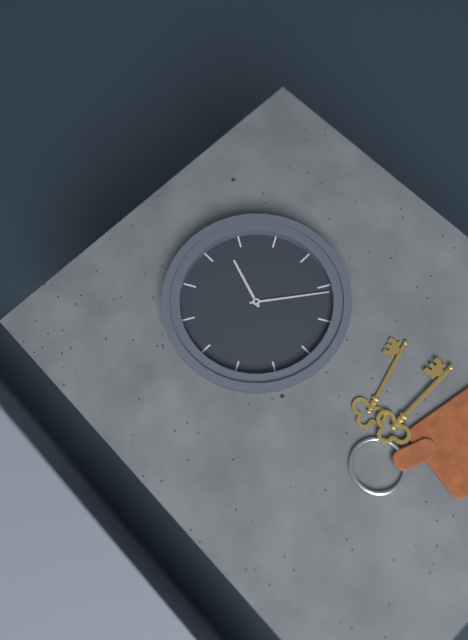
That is **3:36**
